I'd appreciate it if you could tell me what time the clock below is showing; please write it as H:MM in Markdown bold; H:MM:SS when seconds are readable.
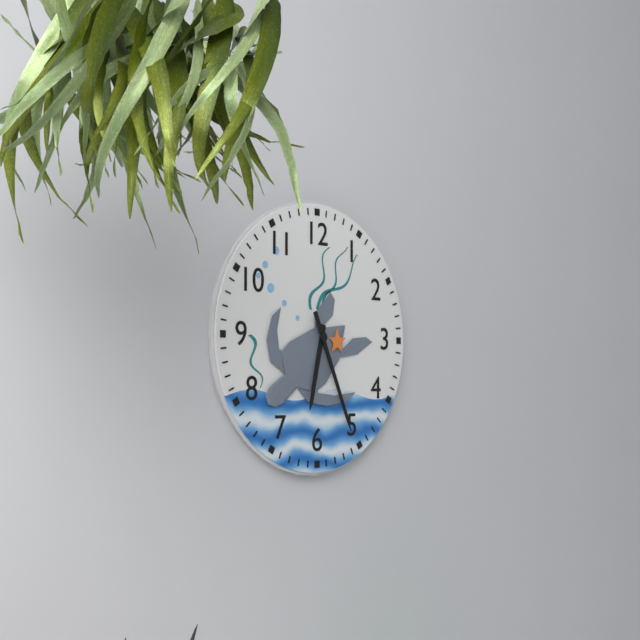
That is **6:26**
